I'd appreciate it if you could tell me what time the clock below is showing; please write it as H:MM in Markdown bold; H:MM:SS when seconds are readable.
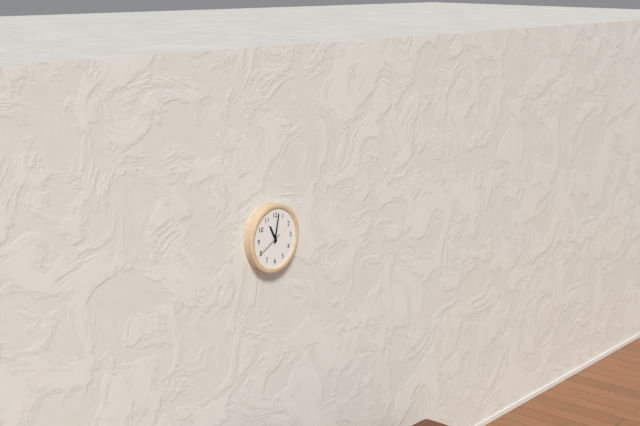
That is **11:02**
